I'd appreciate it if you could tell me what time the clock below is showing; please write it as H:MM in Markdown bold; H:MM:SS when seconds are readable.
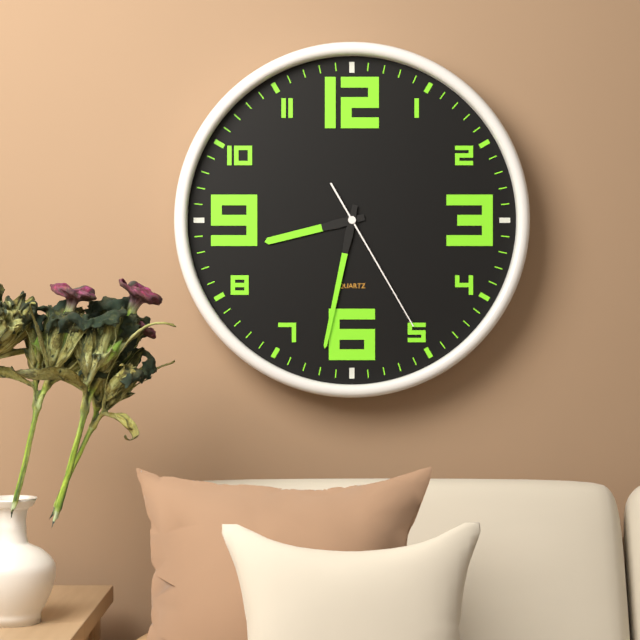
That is **8:32:25**
